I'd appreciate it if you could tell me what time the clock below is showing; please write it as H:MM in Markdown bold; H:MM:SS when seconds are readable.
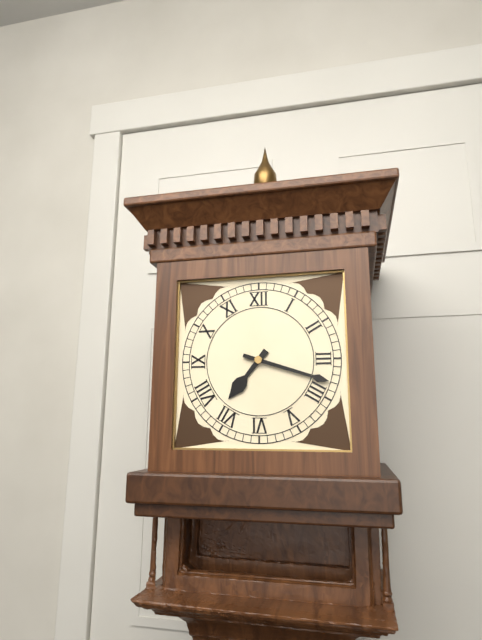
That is **7:18**
